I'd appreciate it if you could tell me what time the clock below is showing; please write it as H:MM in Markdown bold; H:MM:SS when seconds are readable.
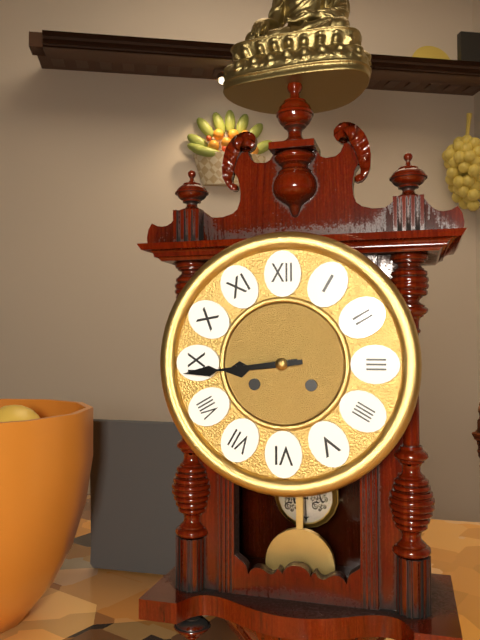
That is **8:44**
